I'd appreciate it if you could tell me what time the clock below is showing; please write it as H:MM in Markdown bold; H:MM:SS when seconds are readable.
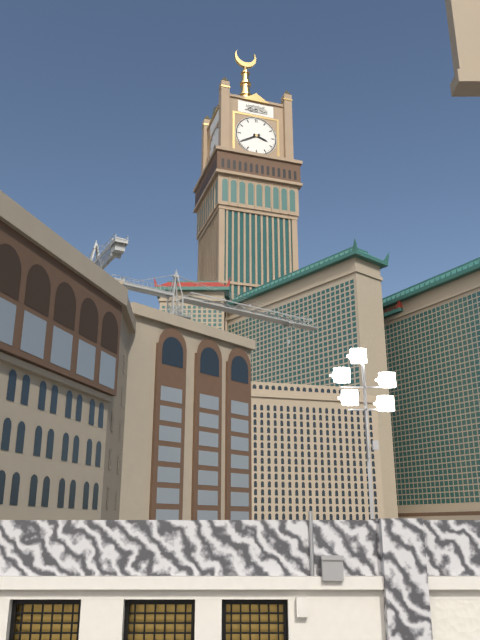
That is **3:40**
